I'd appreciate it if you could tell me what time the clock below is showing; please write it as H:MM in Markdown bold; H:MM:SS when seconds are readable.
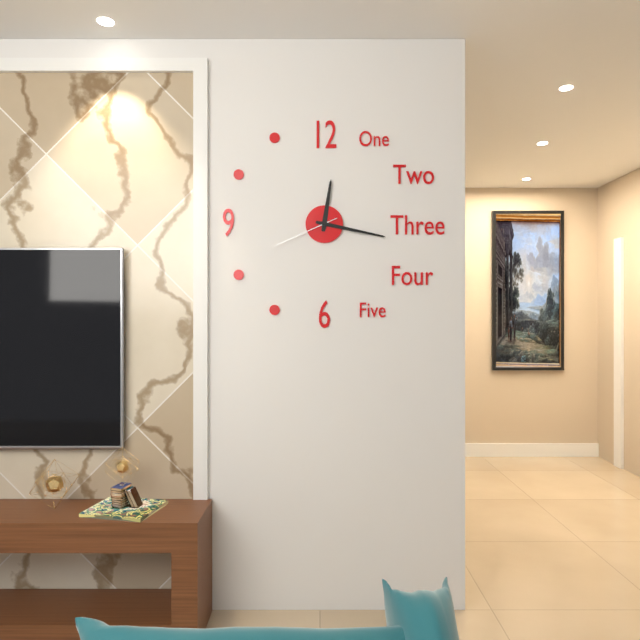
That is **12:17:41**
